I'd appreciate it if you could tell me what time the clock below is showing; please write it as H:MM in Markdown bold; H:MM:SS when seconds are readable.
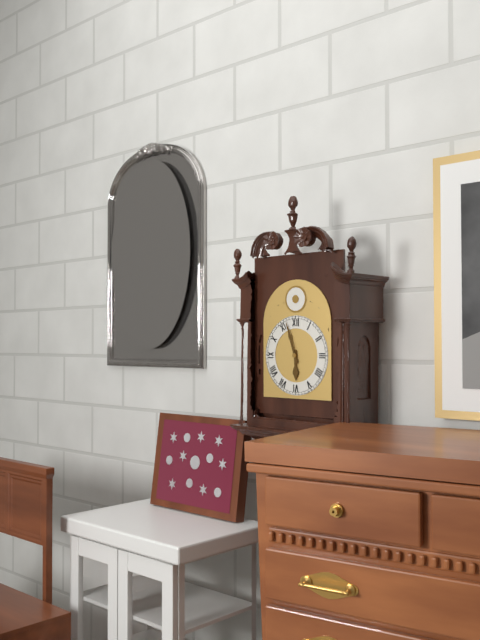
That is **5:57**
